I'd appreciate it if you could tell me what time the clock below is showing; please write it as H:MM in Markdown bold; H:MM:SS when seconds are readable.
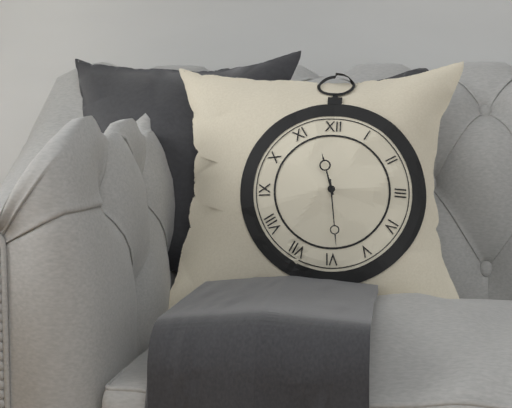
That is **11:29**
